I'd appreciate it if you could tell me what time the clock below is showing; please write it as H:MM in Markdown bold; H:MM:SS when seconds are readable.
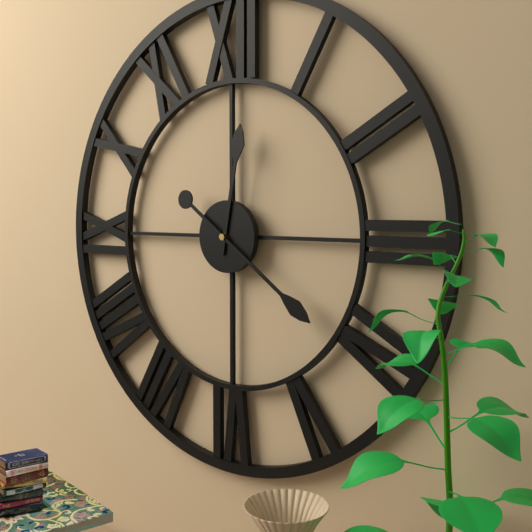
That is **12:21**
